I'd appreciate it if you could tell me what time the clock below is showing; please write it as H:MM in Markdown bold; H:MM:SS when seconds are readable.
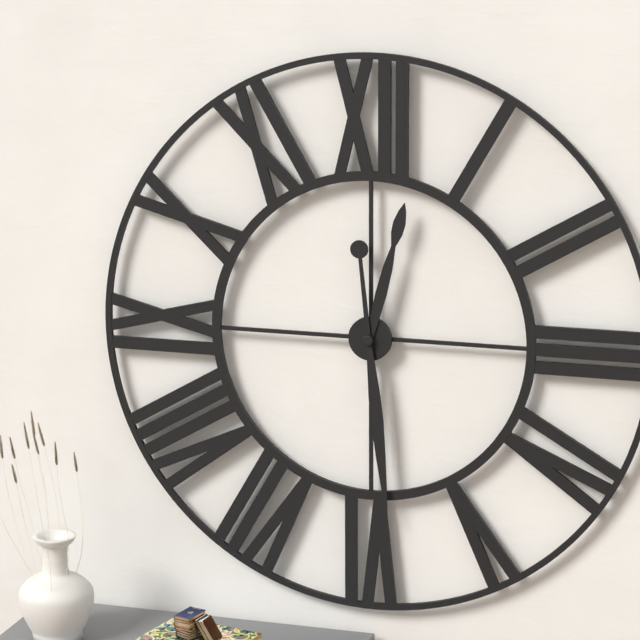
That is **12:29**
